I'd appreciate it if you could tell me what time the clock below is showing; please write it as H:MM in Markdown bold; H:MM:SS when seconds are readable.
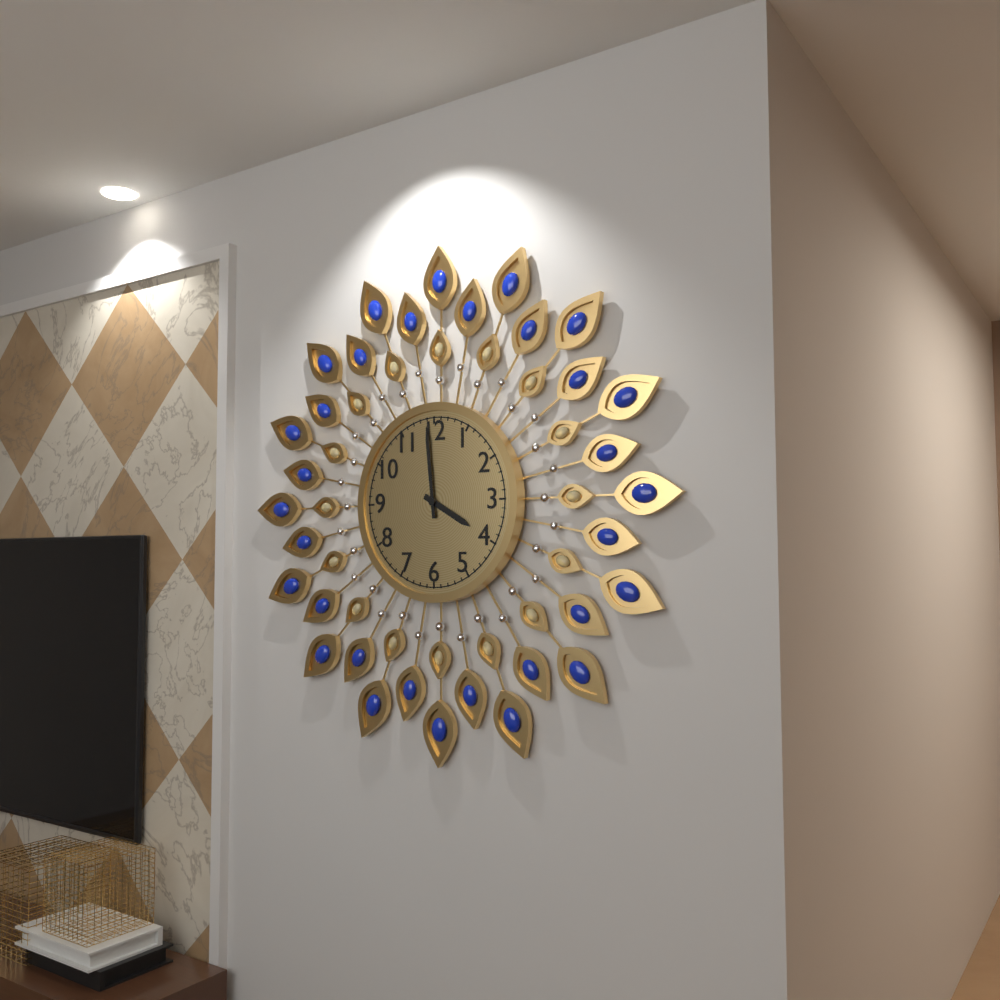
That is **3:59**
